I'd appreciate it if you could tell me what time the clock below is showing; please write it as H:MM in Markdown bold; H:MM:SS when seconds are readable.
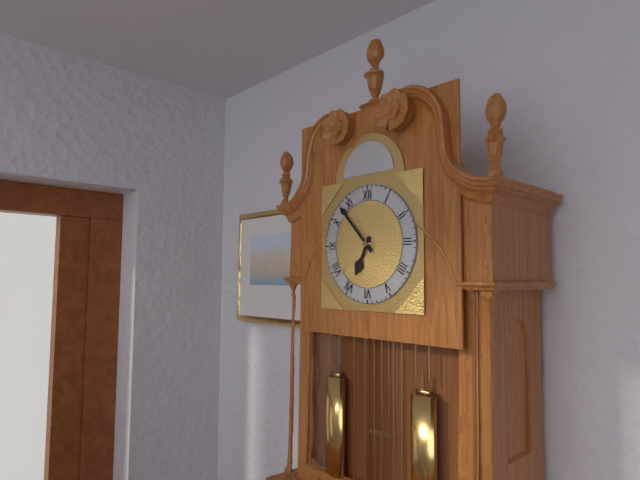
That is **6:53**
